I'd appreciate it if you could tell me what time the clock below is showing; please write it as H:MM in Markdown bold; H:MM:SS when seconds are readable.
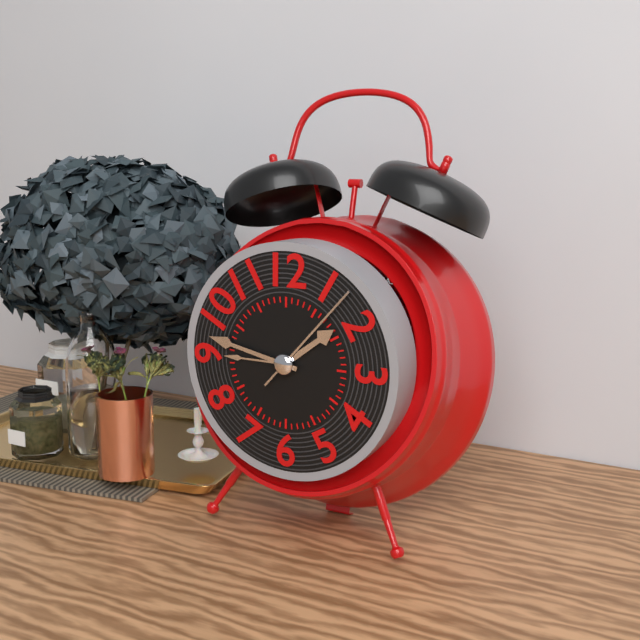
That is **1:47:07**
